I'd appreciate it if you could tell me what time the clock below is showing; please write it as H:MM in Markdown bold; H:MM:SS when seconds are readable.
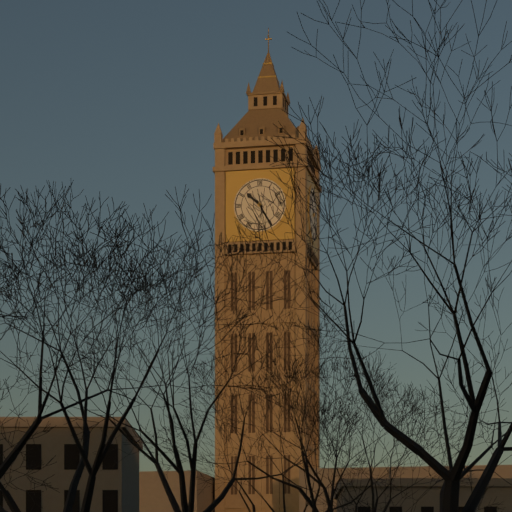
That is **10:25**
